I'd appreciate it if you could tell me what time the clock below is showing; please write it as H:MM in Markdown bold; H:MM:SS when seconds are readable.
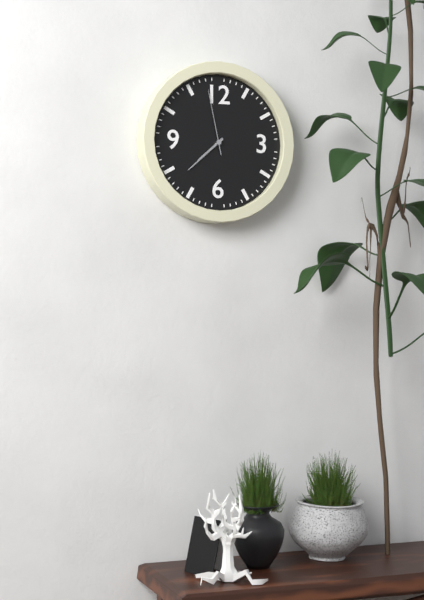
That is **7:38:58**
